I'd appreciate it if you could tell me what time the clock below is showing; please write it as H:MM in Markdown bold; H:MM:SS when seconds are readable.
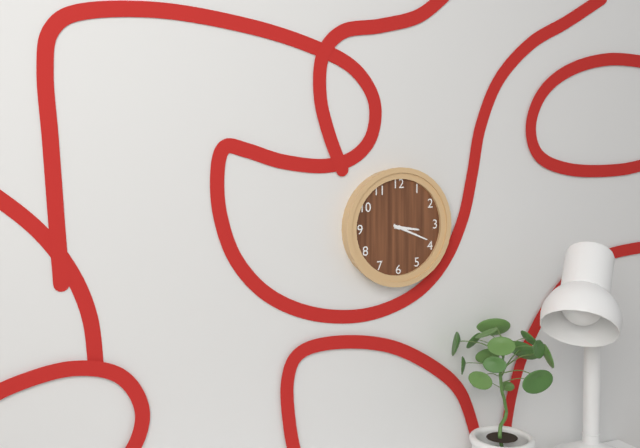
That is **3:19**
